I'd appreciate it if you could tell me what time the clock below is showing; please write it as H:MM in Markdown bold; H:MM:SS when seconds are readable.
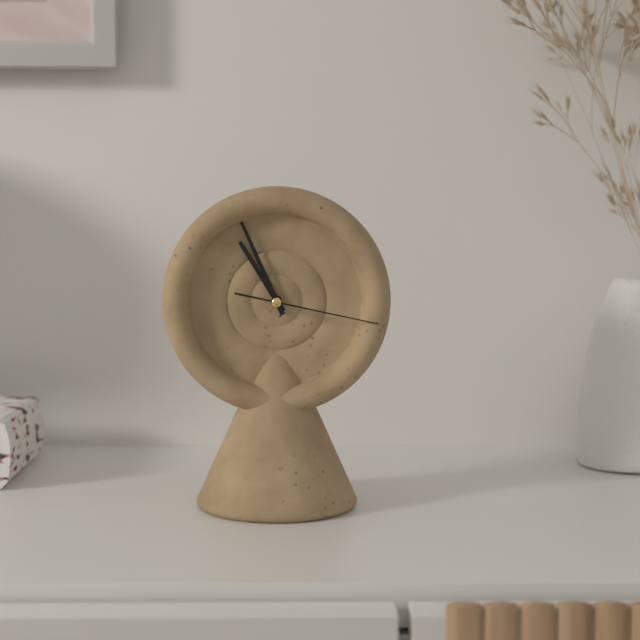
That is **10:56:17**
